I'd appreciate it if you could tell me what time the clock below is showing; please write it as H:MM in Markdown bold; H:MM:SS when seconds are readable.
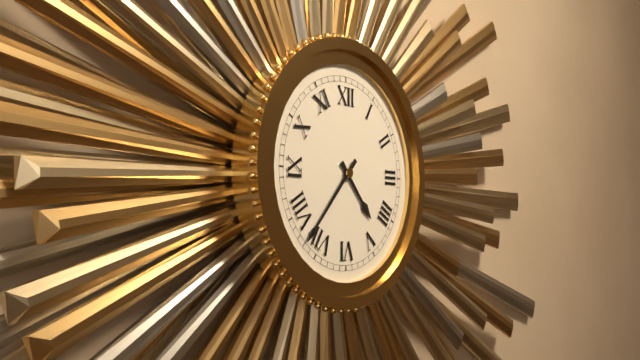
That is **4:37**
